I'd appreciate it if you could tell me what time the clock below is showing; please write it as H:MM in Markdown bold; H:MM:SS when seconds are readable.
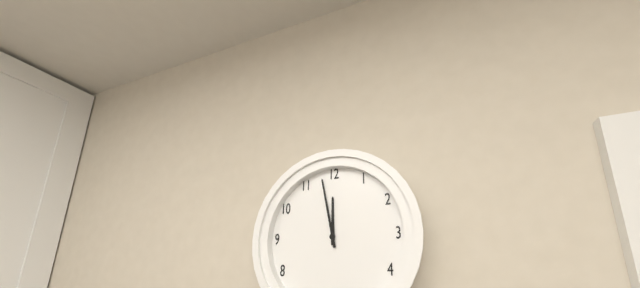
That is **11:58**
